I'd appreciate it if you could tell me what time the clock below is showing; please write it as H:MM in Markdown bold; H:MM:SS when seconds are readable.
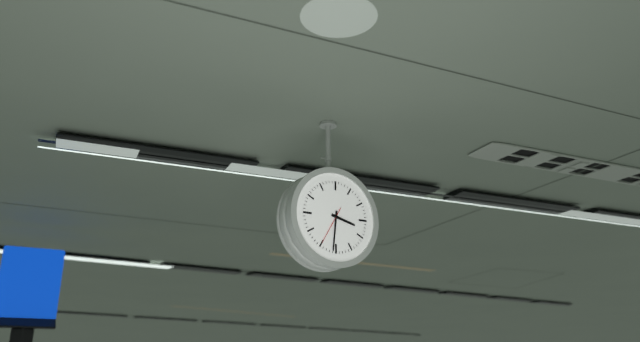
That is **3:31**
